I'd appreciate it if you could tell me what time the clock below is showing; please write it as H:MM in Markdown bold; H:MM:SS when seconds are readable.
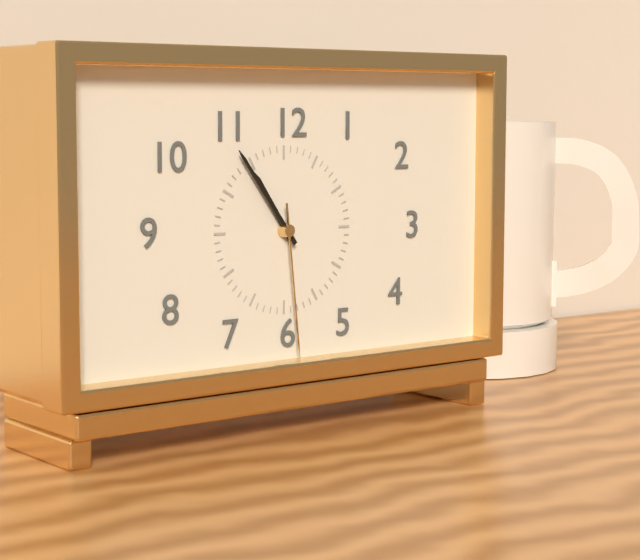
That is **10:54:29**
